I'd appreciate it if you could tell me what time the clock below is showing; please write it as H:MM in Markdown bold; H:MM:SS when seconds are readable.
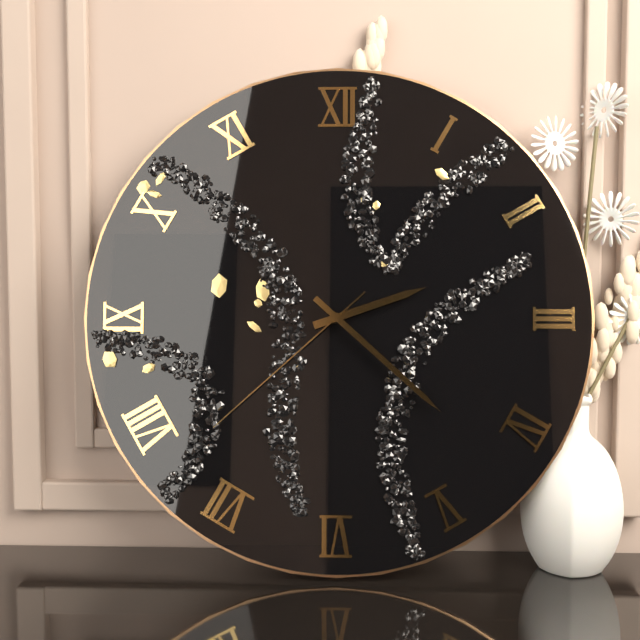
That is **2:22:38**
